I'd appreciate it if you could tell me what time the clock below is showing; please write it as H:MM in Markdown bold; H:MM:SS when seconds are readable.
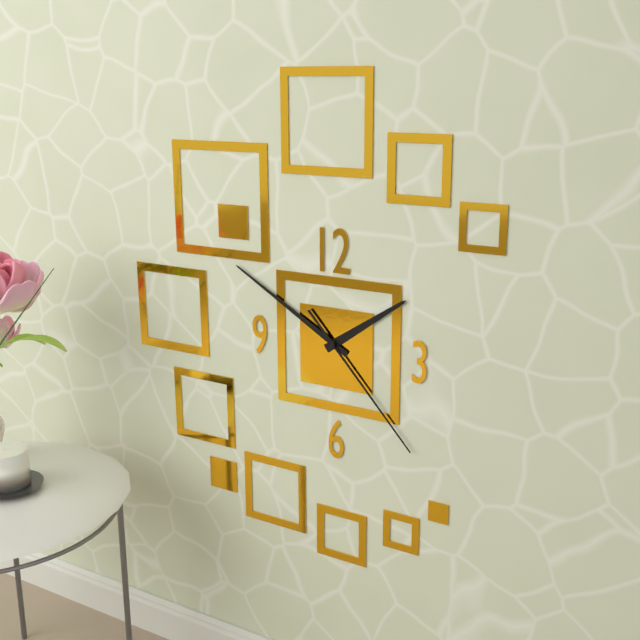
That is **1:50:23**
